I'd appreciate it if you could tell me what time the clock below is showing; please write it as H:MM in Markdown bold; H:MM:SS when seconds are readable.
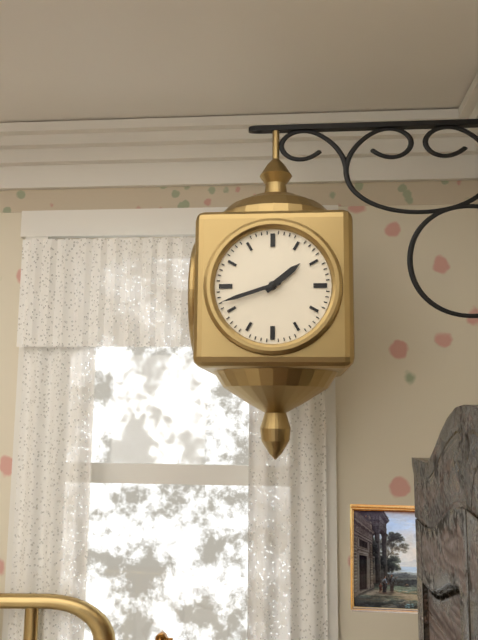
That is **1:42**
